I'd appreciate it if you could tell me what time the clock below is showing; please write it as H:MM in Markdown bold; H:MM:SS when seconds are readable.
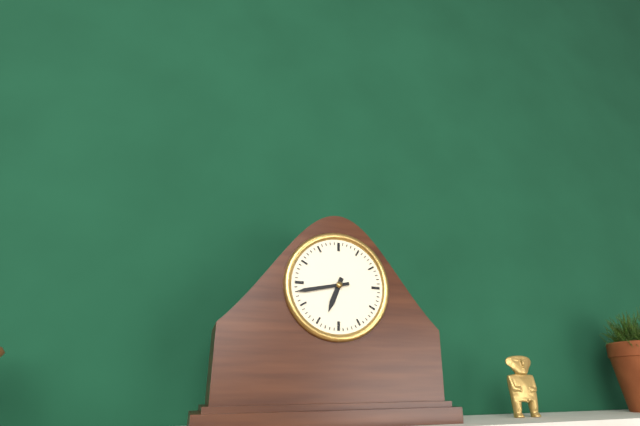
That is **6:43**
